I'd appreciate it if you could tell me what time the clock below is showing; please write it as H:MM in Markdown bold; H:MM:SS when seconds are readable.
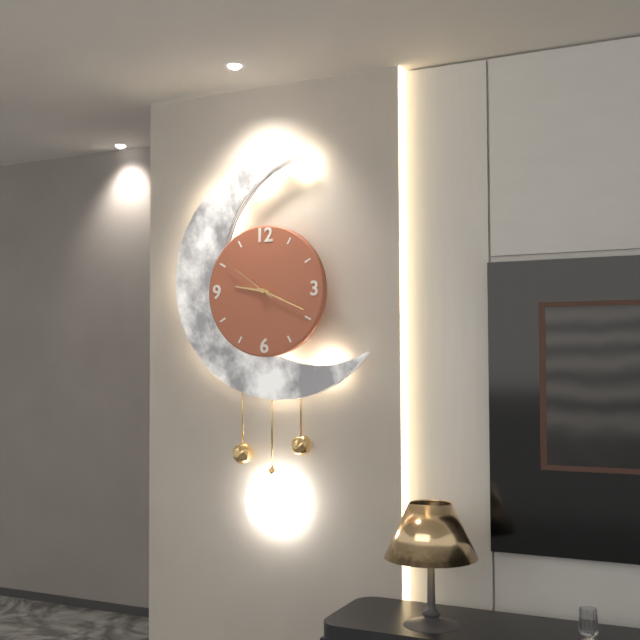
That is **9:19:51**
